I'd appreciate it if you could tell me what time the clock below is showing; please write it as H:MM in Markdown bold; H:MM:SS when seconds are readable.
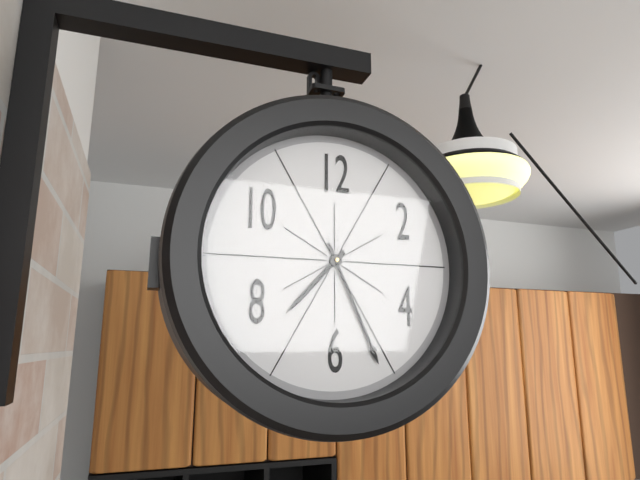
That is **7:26**
